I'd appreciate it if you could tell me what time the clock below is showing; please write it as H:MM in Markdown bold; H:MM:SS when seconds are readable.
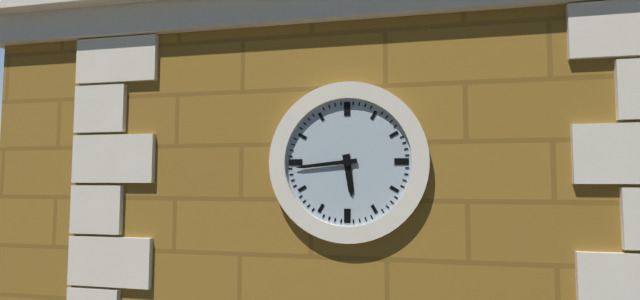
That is **5:44**
